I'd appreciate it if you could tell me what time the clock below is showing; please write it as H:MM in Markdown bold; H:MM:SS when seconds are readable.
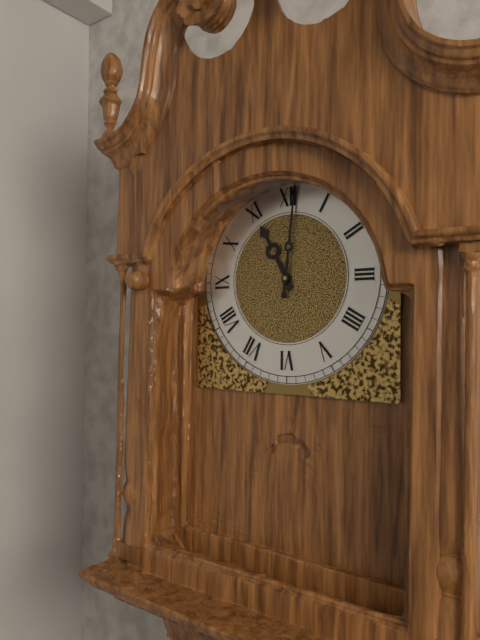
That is **11:01**
